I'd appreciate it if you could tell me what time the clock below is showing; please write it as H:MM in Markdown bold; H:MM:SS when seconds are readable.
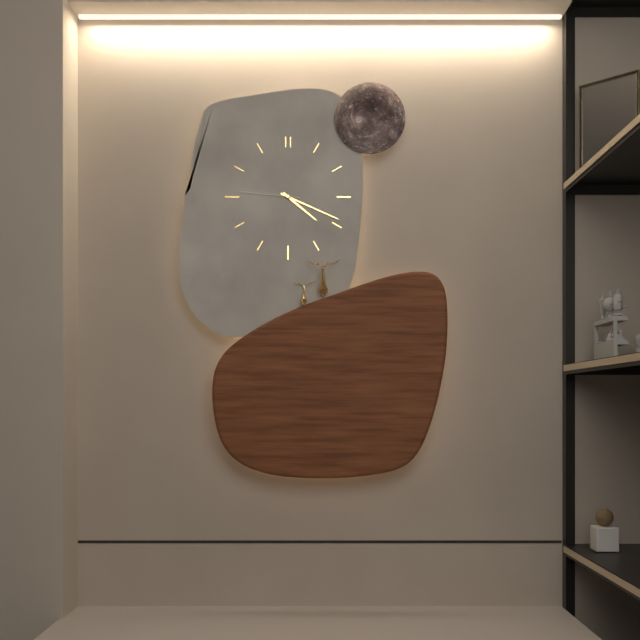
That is **4:19:46**
